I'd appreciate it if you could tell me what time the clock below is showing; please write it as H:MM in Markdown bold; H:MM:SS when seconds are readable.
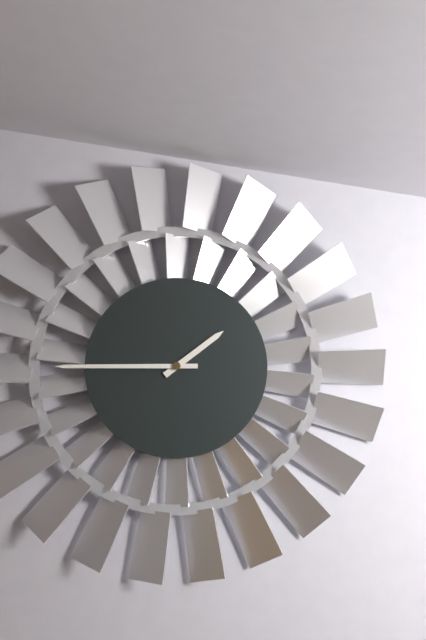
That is **1:45**
